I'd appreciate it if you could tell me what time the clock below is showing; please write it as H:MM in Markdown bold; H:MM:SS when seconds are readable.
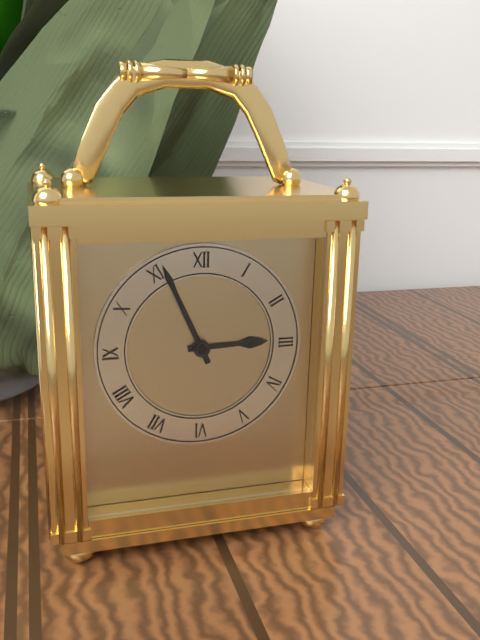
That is **2:56**
